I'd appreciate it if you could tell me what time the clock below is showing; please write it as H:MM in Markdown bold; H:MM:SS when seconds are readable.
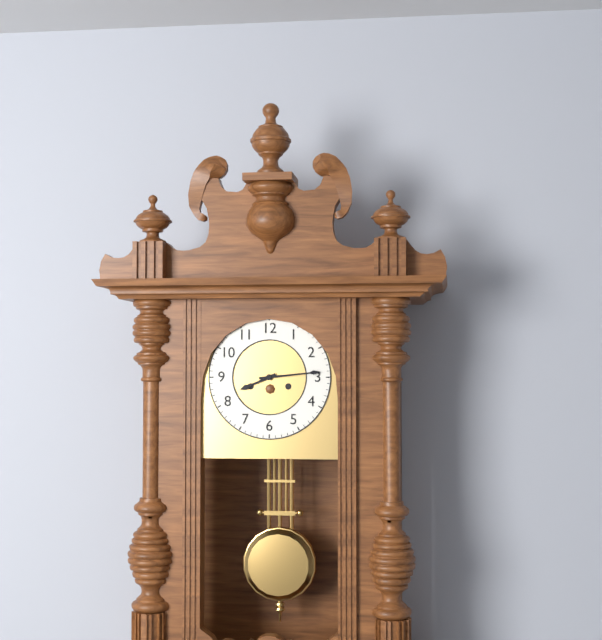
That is **8:14**
